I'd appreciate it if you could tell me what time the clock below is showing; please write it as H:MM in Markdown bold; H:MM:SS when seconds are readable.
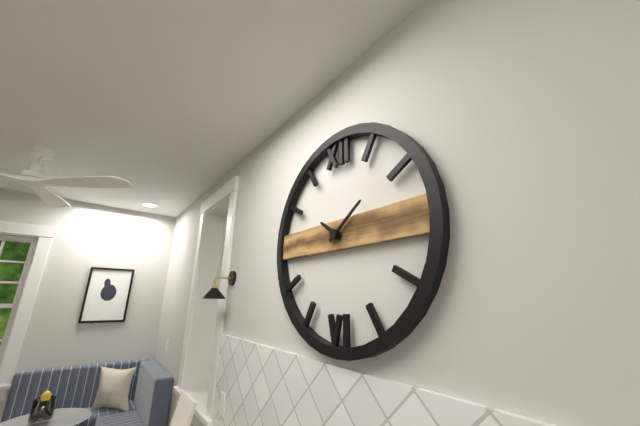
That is **10:09**
